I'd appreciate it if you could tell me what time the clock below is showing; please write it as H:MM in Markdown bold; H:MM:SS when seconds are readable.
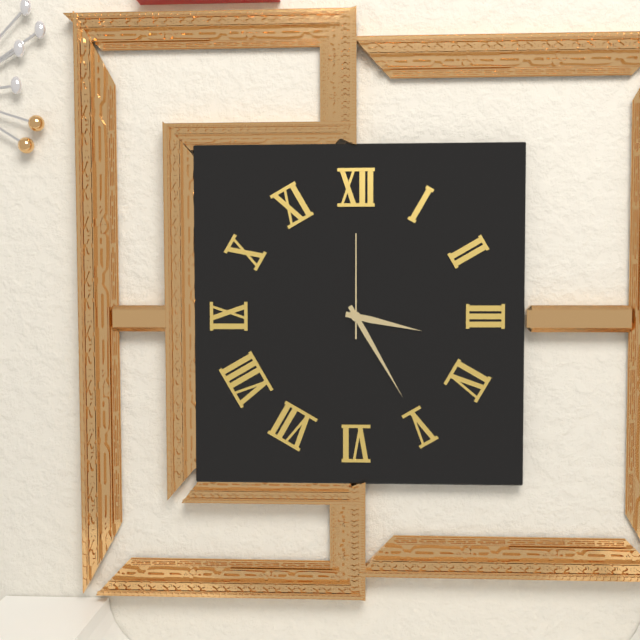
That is **3:25:00**
